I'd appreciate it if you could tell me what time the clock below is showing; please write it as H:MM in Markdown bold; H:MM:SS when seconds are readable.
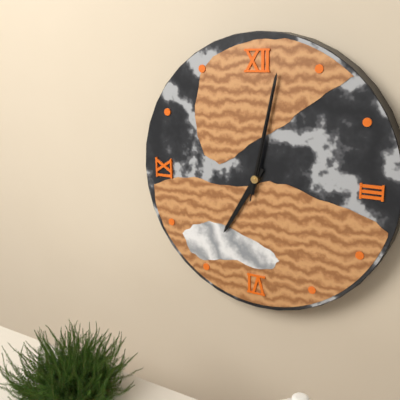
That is **7:02:02**
